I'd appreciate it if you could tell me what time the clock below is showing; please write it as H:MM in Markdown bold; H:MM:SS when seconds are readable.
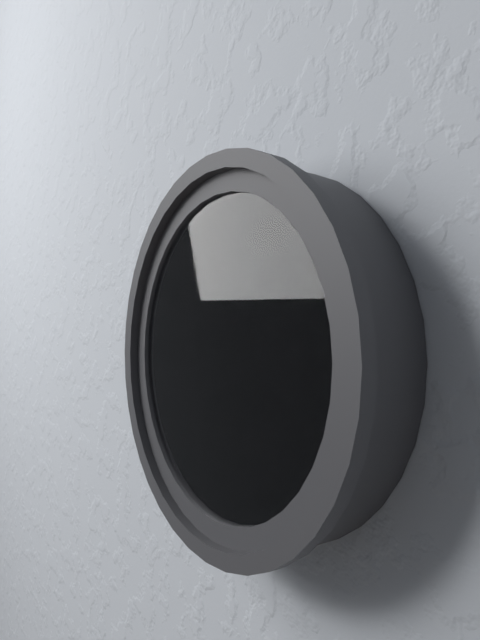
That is **1:15:02**
